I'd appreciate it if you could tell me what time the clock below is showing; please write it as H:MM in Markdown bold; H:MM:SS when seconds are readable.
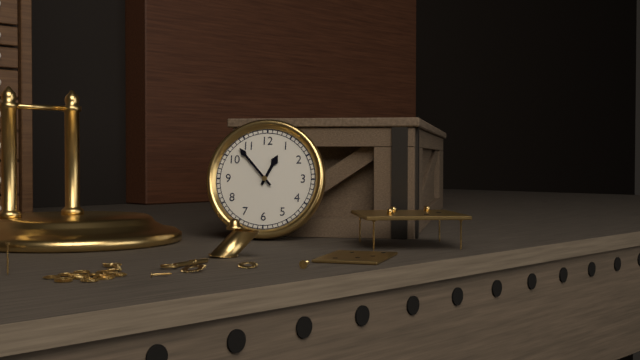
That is **12:53**
